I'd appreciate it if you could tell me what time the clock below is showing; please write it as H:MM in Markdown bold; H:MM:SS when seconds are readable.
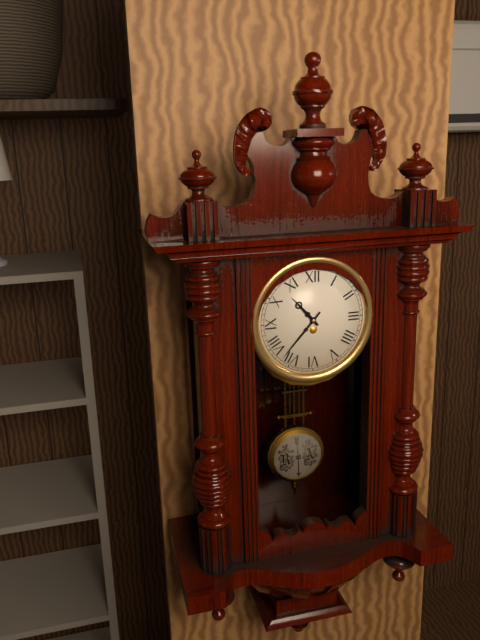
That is **10:37**
